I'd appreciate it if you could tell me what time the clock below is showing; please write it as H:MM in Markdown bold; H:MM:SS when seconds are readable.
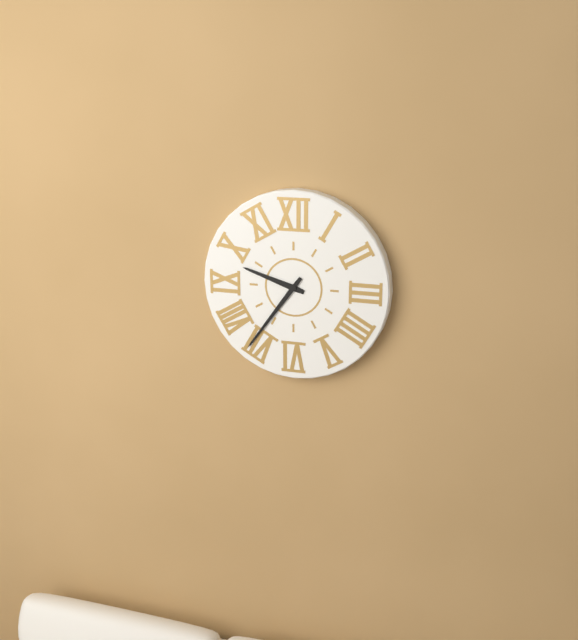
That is **9:36**
